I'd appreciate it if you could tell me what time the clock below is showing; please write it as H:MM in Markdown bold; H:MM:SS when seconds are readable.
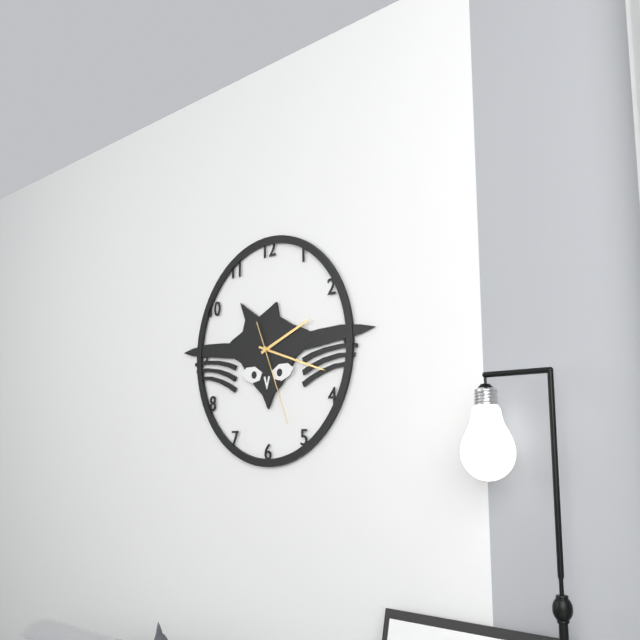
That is **2:18:26**
